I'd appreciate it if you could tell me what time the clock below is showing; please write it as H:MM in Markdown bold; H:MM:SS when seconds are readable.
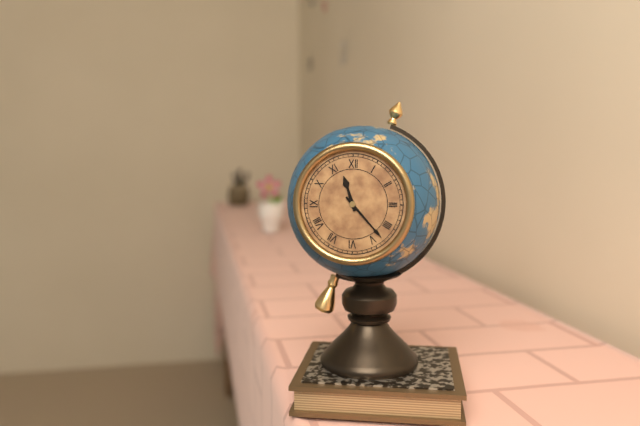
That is **11:23**
